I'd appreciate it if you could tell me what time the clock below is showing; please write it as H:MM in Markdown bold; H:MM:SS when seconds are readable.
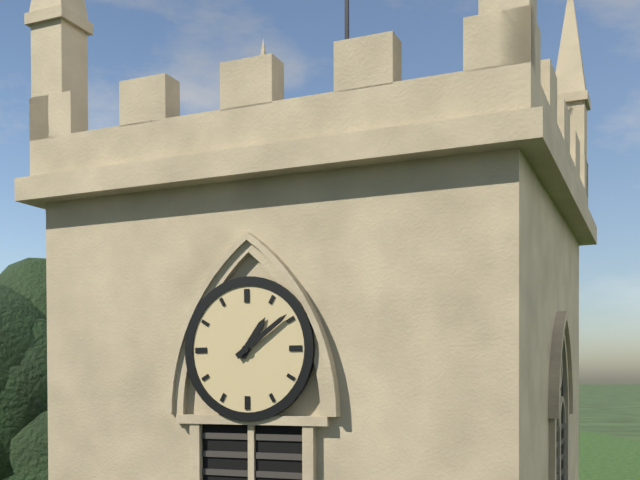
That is **1:09**
